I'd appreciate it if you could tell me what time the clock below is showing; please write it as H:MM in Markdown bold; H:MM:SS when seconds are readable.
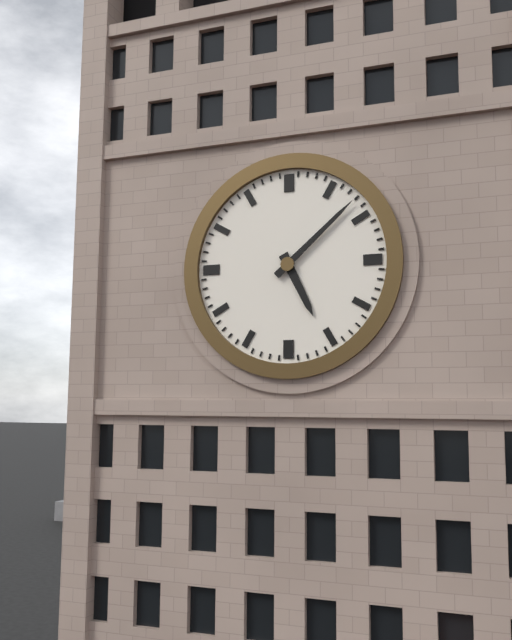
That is **5:08**
